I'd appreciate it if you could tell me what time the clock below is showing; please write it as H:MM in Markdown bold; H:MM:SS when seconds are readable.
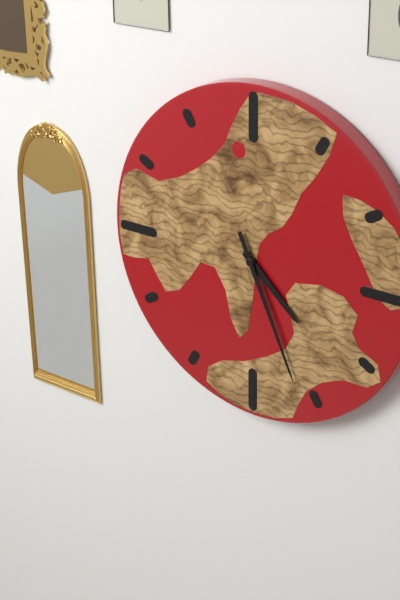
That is **4:26**
